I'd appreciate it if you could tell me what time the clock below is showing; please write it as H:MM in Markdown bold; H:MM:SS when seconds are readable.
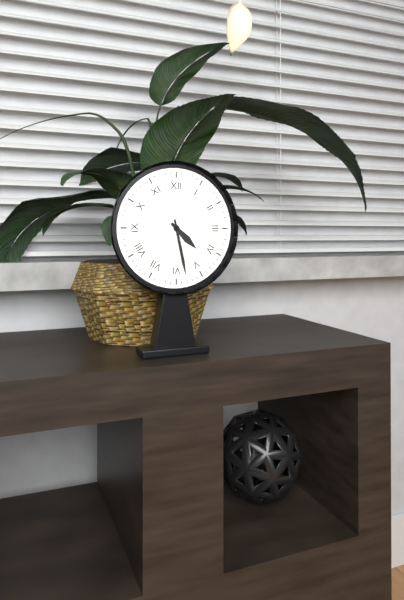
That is **4:28**
